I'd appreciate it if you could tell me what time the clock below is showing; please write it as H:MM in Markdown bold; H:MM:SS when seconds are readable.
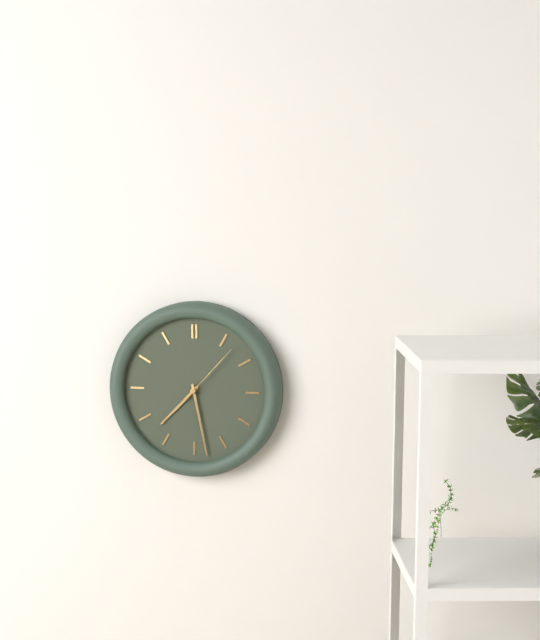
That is **7:28:07**
